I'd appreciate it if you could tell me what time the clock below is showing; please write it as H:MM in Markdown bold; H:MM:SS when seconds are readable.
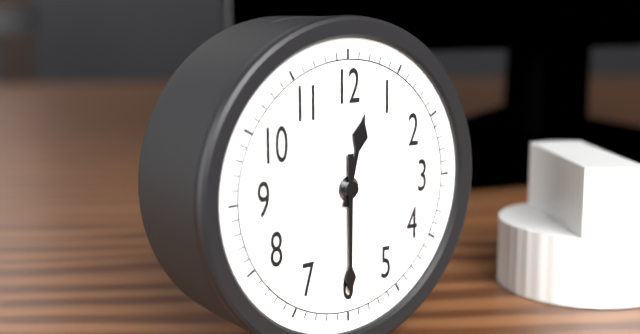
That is **12:30**
